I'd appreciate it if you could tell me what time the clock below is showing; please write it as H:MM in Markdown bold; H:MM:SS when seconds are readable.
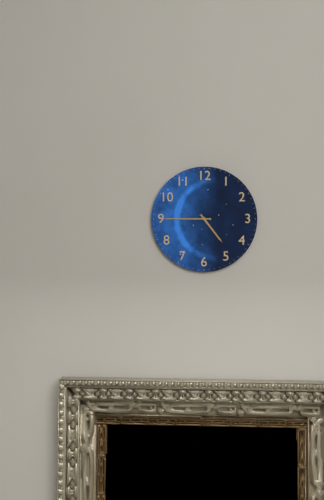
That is **4:45**
